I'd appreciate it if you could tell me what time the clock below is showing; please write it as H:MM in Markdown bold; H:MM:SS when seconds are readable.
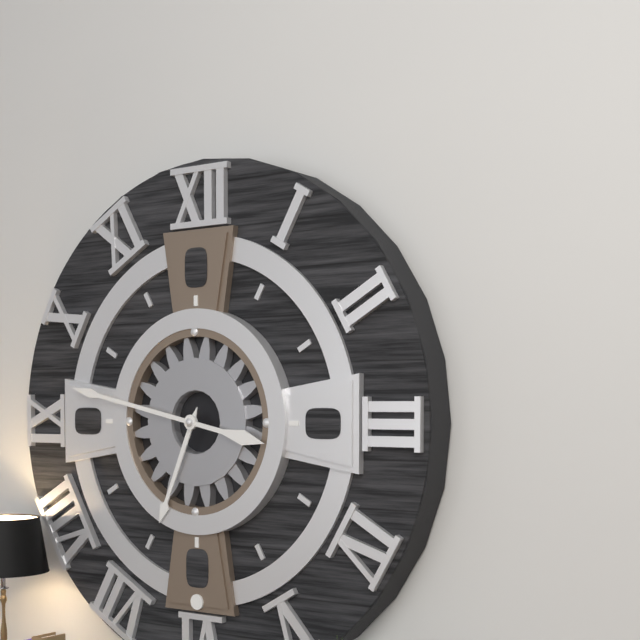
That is **6:47**
